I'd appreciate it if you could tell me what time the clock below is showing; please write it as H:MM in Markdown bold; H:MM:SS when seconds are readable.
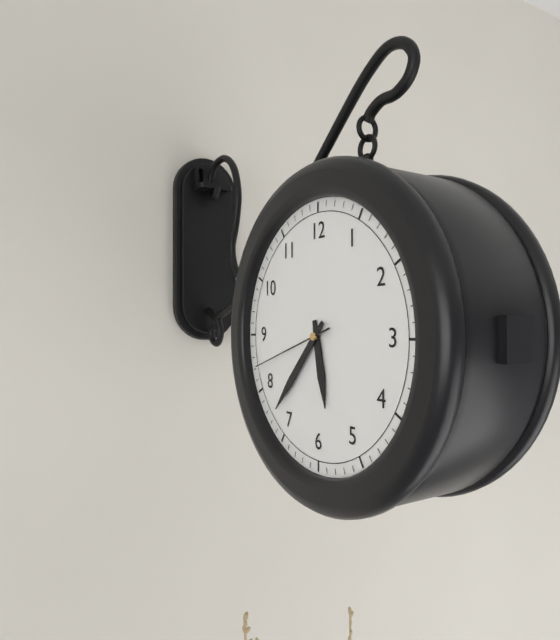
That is **5:37:42**
